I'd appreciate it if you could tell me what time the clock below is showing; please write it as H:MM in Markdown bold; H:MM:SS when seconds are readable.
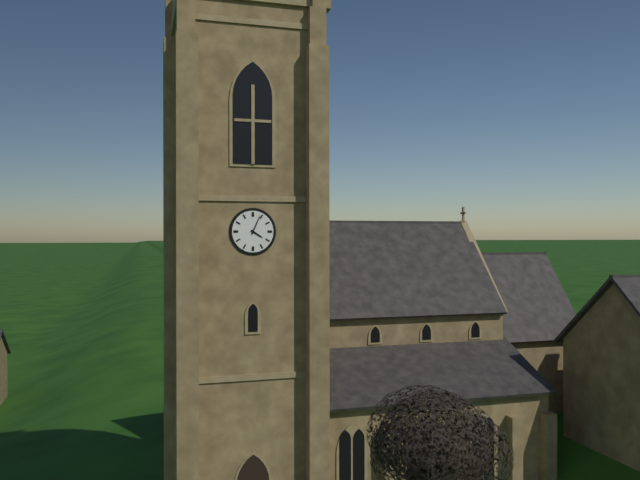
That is **4:04**
